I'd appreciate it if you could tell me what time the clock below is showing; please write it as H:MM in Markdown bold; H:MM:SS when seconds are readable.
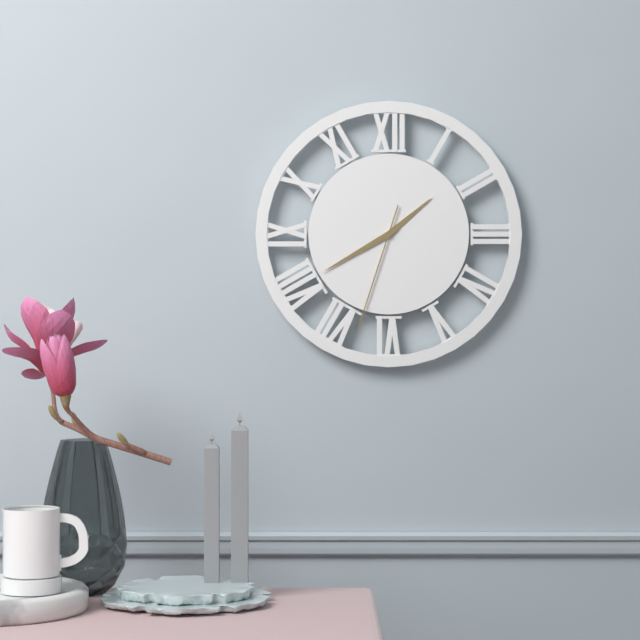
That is **1:40:33**
